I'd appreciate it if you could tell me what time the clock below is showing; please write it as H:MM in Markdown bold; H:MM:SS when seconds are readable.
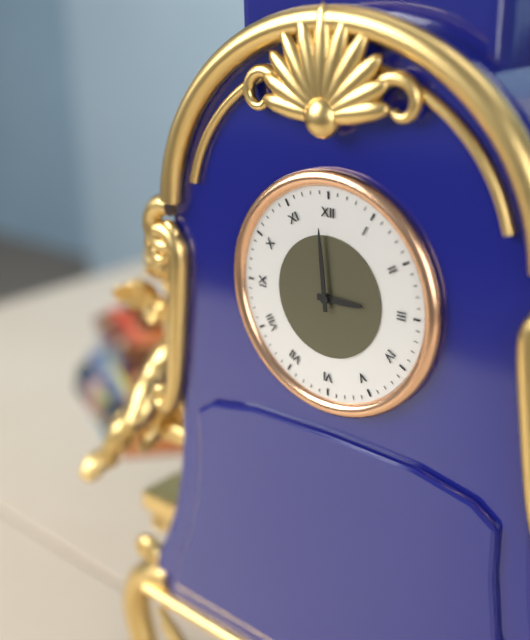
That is **2:59**
